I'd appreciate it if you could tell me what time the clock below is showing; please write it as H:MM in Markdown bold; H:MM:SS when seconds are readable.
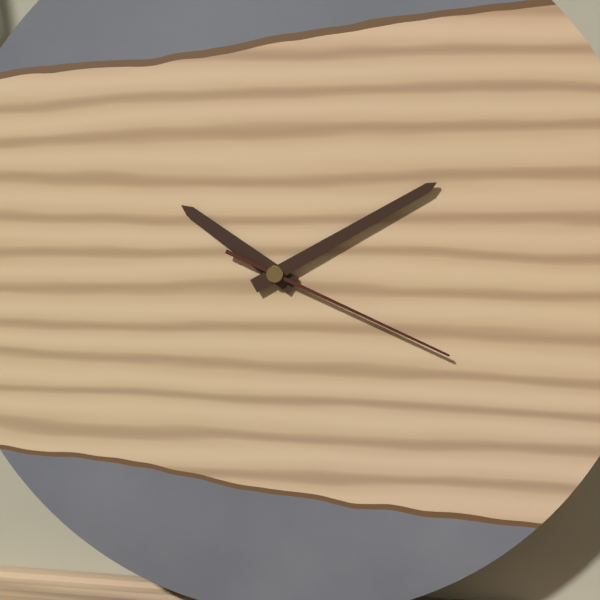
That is **10:10:19**
